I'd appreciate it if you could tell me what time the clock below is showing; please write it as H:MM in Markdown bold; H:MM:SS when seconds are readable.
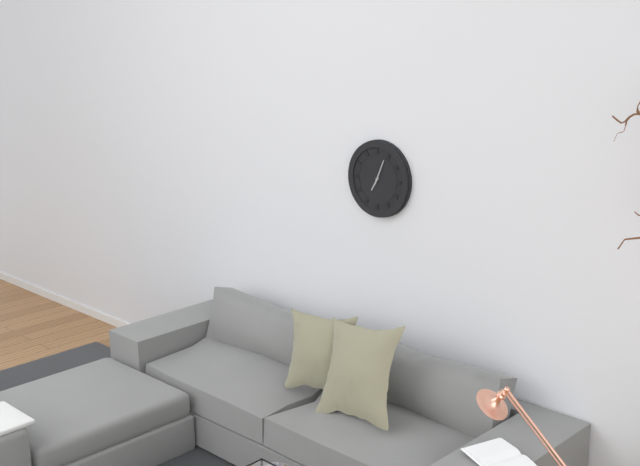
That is **7:04**
